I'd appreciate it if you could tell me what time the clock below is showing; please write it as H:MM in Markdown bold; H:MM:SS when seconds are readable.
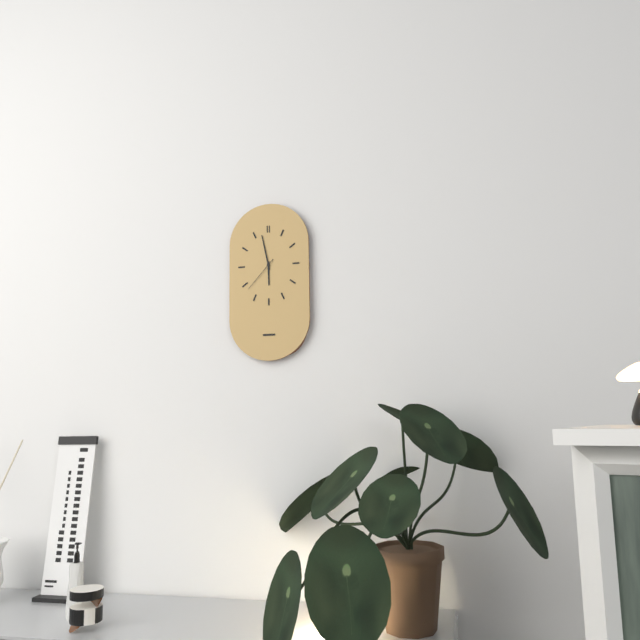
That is **5:58**
